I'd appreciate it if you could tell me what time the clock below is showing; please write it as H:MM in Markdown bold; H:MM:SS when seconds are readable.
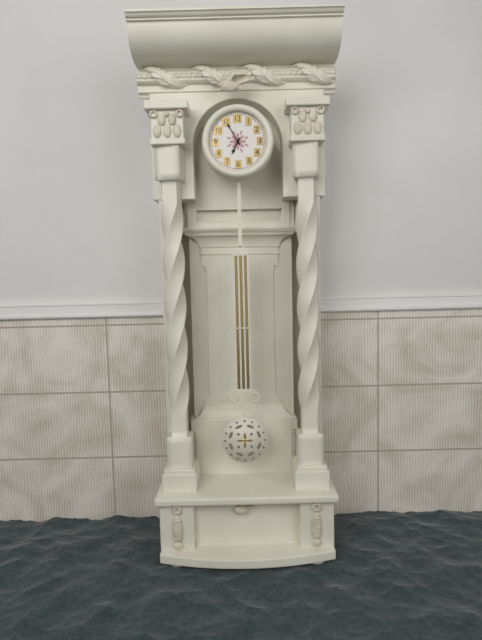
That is **6:55**
